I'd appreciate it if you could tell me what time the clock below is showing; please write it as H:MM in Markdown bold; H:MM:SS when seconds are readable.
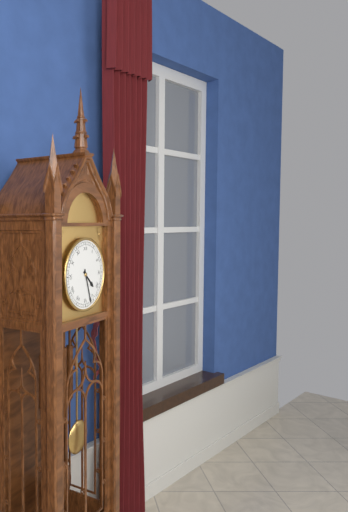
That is **4:27**
